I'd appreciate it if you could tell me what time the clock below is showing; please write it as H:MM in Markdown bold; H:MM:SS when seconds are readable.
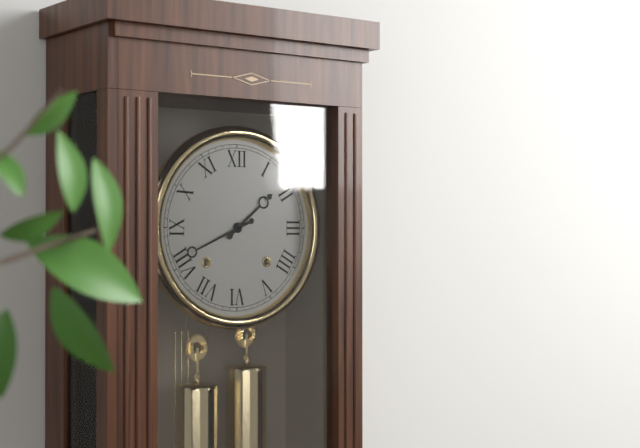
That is **1:41**
